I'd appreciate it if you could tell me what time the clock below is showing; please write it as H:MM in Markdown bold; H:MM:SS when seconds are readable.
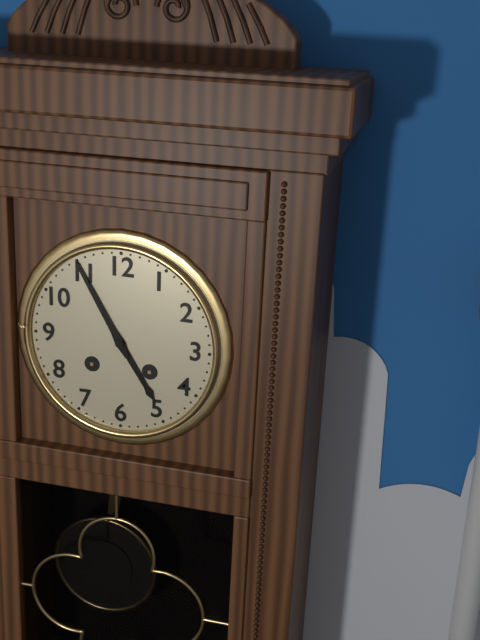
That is **4:55**
